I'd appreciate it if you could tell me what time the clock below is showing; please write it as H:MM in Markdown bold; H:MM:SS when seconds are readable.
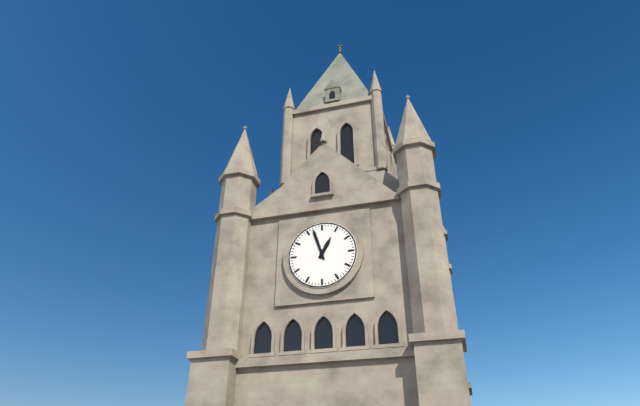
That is **12:57**
